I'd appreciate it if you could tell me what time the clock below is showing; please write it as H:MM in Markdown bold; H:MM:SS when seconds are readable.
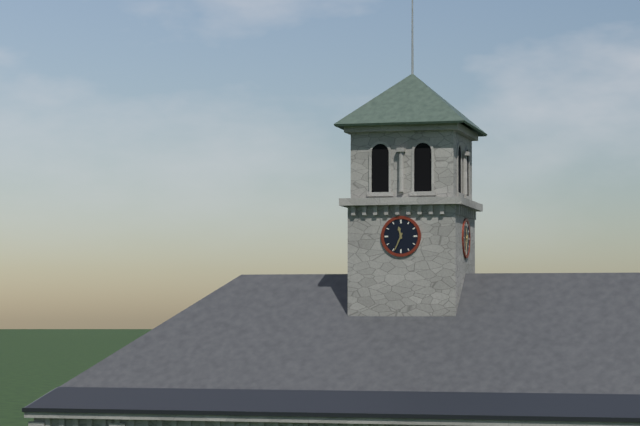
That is **11:34**
